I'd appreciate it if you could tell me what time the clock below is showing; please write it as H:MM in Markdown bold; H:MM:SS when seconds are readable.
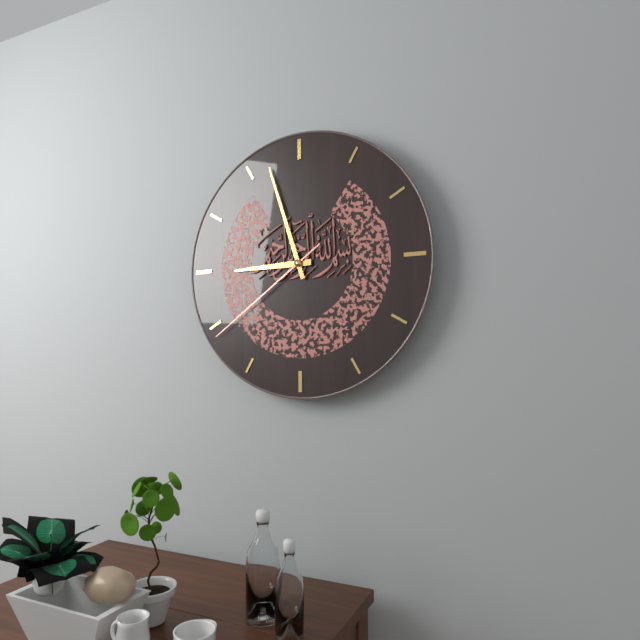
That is **8:57:39**
